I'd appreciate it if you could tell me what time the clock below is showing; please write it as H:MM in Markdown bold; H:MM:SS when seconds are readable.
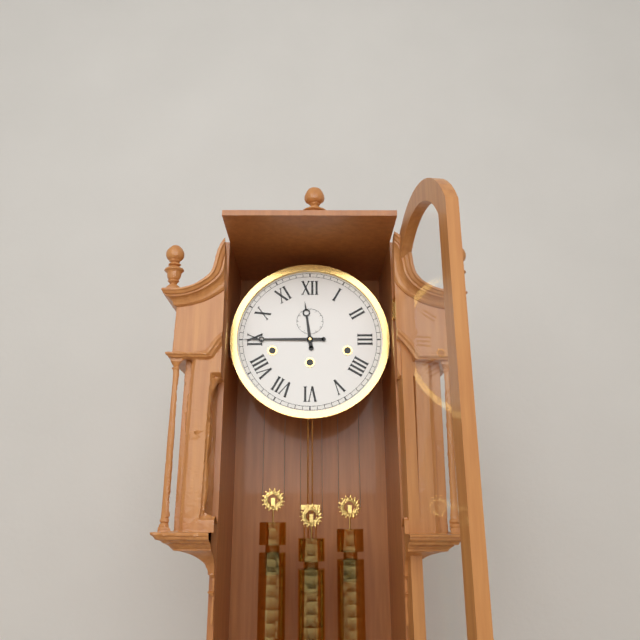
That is **11:45**
